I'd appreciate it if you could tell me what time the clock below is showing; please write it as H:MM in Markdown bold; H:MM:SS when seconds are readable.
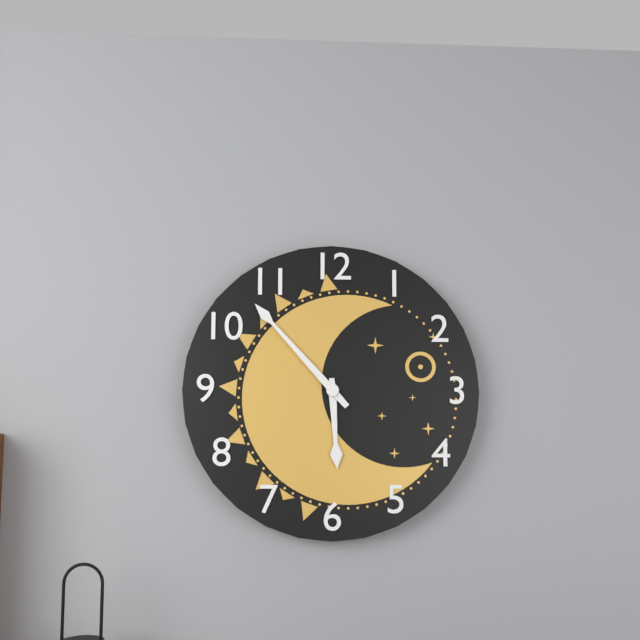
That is **5:53**
